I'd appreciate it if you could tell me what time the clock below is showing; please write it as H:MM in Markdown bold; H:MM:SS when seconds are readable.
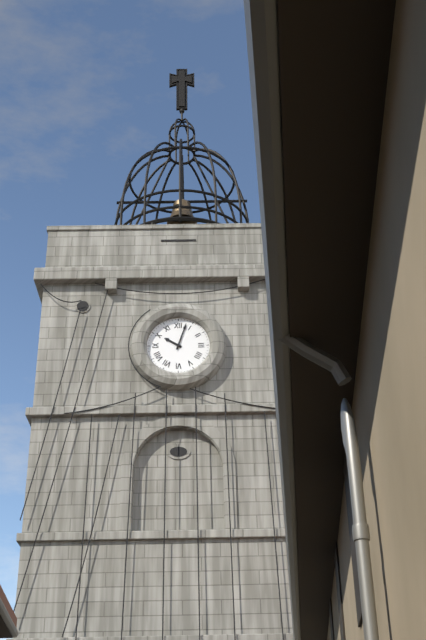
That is **10:03**
